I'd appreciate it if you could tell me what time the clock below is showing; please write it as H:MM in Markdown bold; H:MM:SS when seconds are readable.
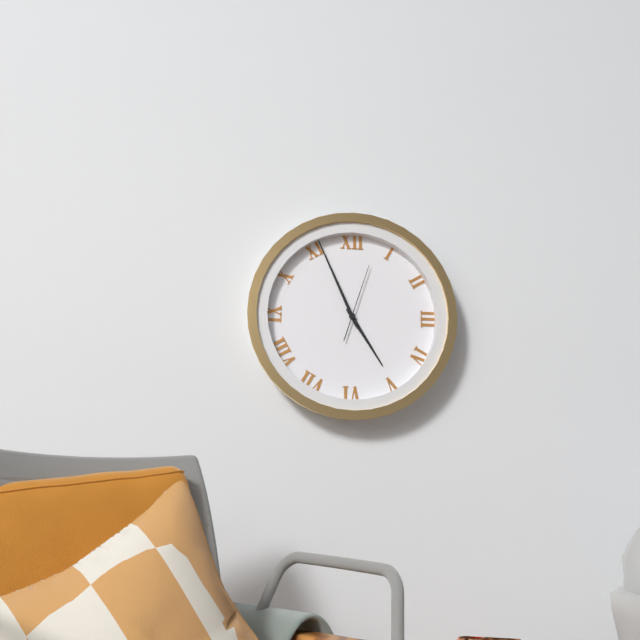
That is **4:56:03**
